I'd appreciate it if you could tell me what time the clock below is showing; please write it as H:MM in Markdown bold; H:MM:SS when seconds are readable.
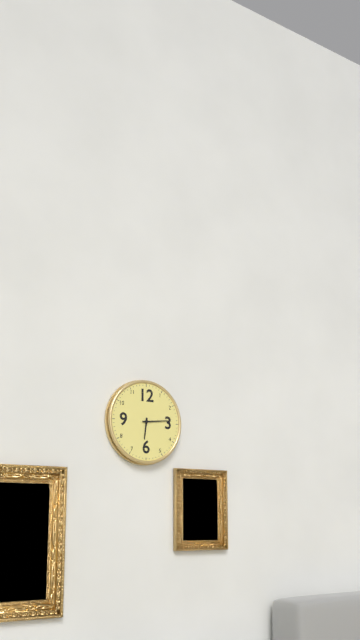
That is **6:14**
